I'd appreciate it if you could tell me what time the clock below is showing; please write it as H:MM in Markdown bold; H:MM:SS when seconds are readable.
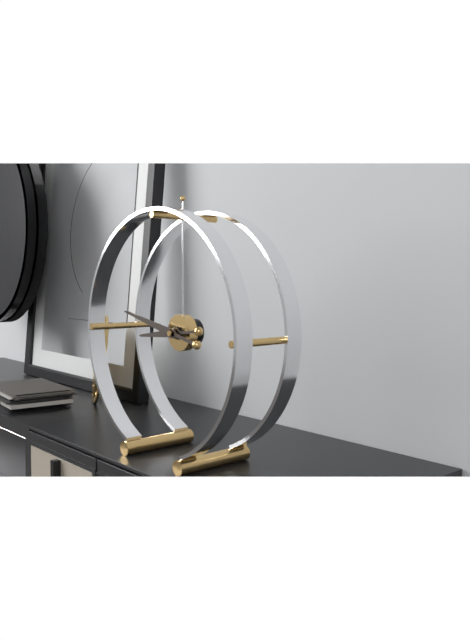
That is **8:47**
